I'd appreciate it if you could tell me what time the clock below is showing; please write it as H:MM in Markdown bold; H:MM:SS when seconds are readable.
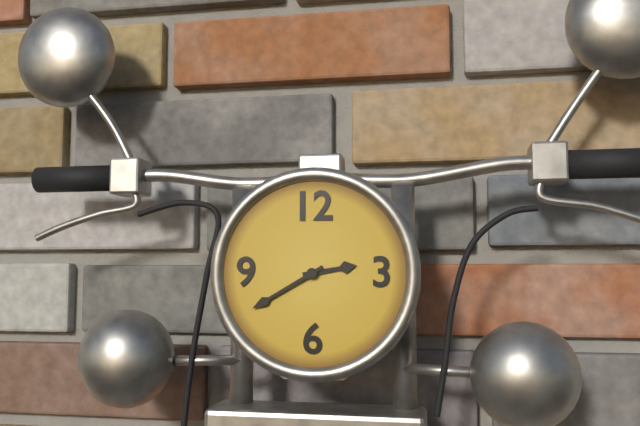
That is **2:40**
